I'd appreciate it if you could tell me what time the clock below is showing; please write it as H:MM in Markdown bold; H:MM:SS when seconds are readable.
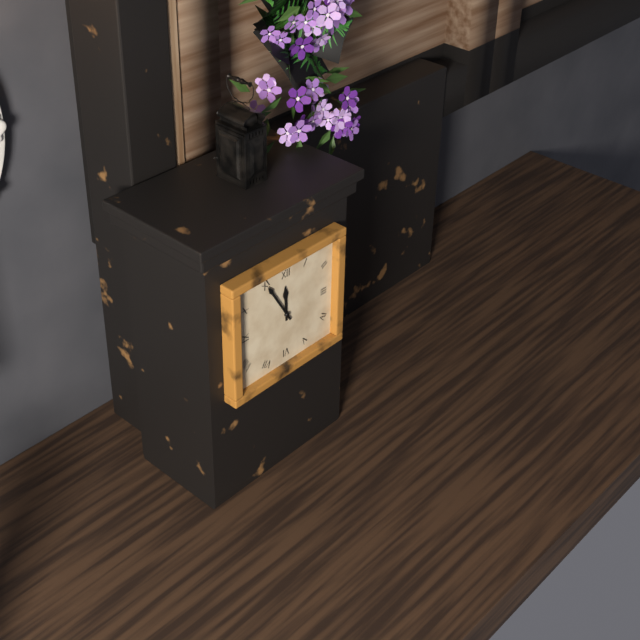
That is **11:55**
